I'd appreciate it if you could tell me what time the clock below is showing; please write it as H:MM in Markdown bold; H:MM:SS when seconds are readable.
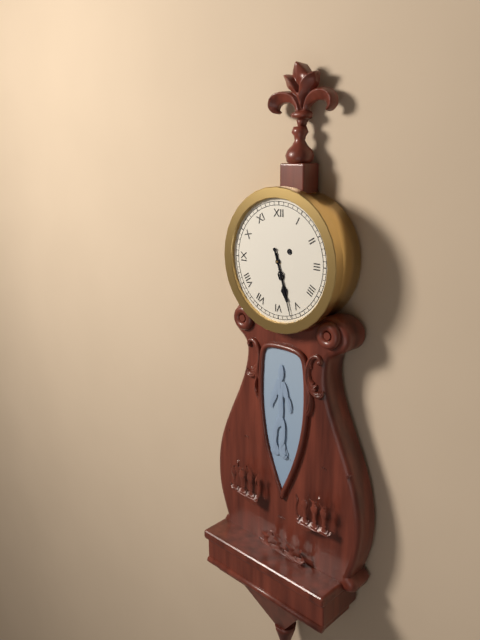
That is **5:27**
